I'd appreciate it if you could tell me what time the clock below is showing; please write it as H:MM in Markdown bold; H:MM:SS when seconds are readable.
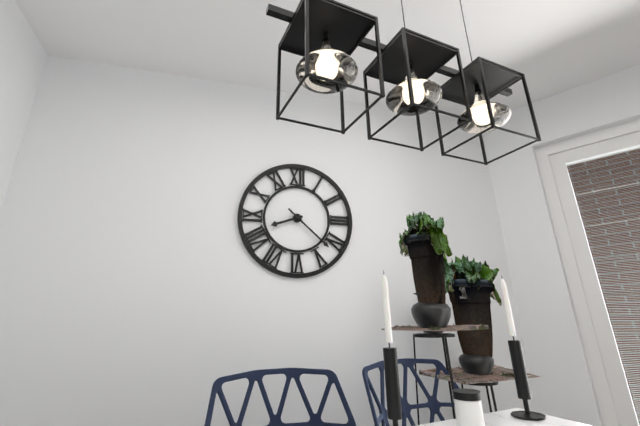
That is **8:22**
